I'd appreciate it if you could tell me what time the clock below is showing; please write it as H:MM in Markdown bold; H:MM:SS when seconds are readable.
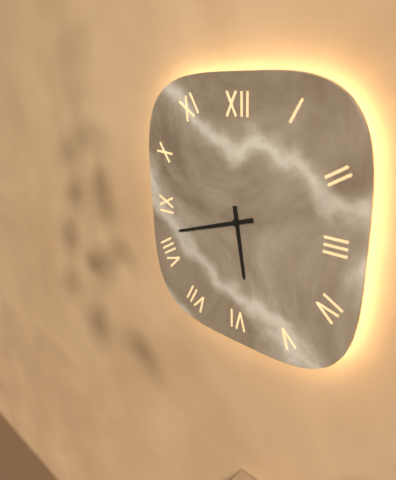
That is **5:42**
